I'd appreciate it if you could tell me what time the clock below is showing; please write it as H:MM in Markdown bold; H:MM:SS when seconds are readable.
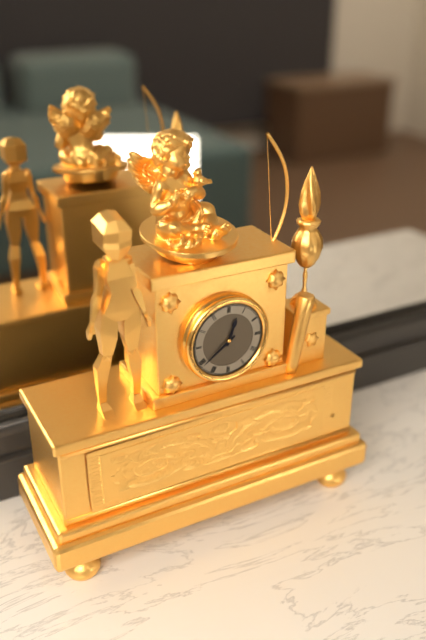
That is **12:39**
